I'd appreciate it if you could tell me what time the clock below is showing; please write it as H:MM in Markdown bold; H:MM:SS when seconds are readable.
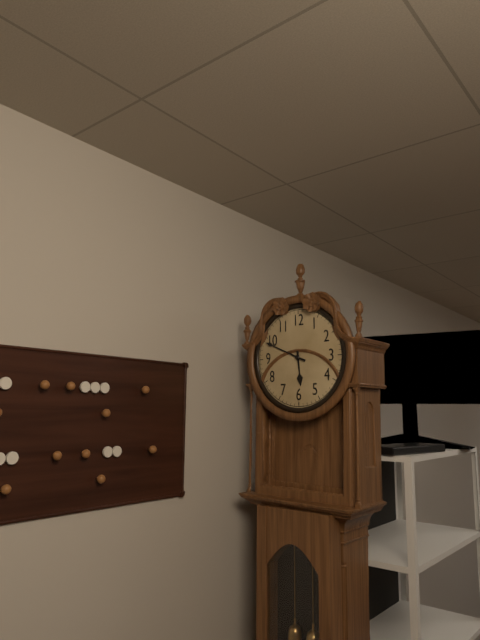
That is **5:49**
